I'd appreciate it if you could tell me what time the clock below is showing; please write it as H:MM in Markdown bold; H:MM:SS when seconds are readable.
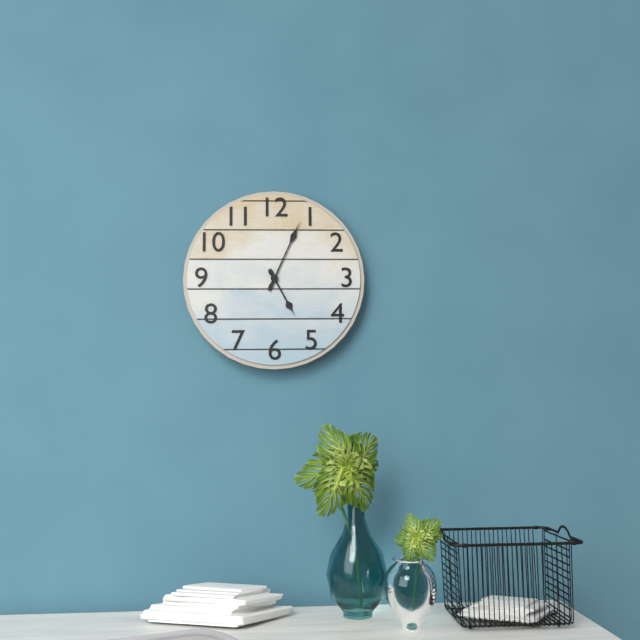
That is **5:04**
